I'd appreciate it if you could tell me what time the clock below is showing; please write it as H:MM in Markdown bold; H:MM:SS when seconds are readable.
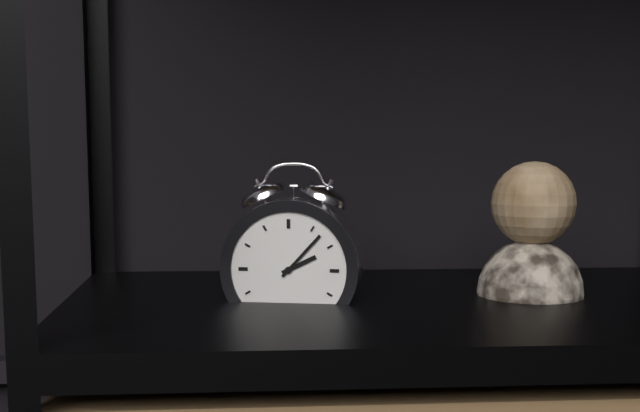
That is **2:07**
